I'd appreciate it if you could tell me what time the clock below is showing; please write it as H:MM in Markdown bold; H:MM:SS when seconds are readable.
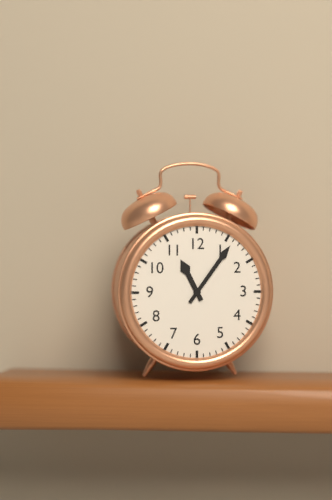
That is **11:06**
